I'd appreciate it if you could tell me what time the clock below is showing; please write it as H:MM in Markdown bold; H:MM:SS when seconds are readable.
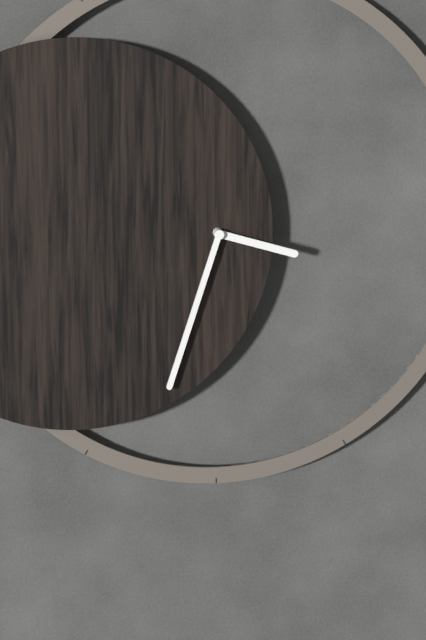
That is **3:33**
